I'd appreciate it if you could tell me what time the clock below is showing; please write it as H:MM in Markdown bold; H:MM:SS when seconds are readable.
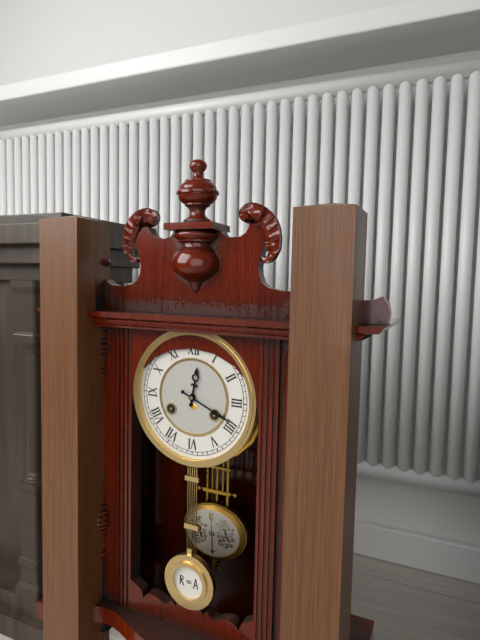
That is **12:19**
